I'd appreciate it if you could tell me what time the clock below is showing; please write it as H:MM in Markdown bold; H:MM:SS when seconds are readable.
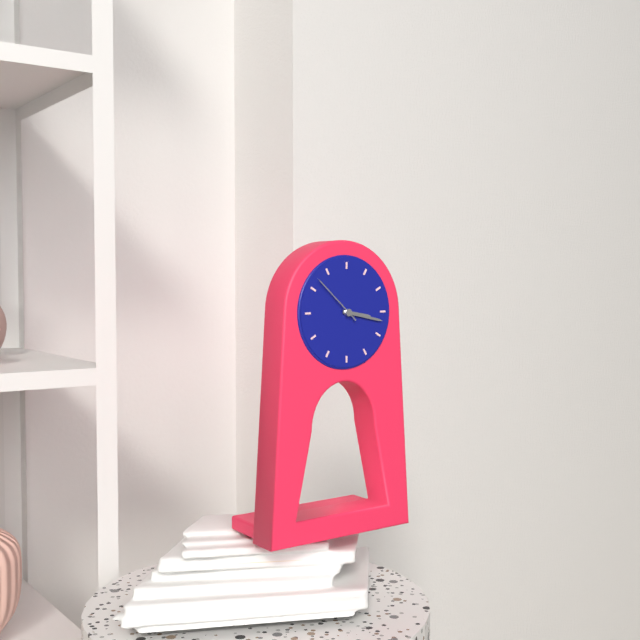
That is **3:17**
